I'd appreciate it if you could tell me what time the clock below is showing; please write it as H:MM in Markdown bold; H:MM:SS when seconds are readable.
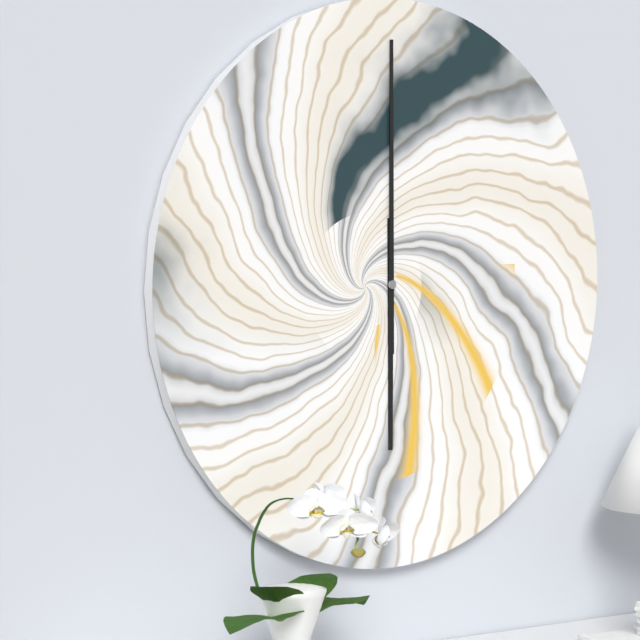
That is **6:00**
